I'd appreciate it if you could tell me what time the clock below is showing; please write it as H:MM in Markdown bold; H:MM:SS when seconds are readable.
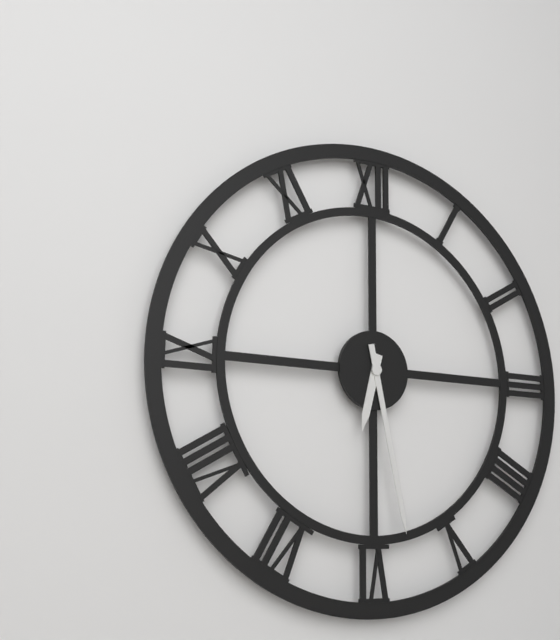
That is **6:28**
